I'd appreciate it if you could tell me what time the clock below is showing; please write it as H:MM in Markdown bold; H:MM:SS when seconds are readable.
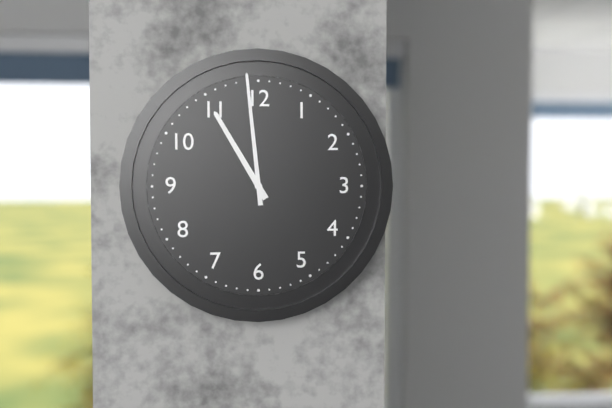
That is **10:59**
